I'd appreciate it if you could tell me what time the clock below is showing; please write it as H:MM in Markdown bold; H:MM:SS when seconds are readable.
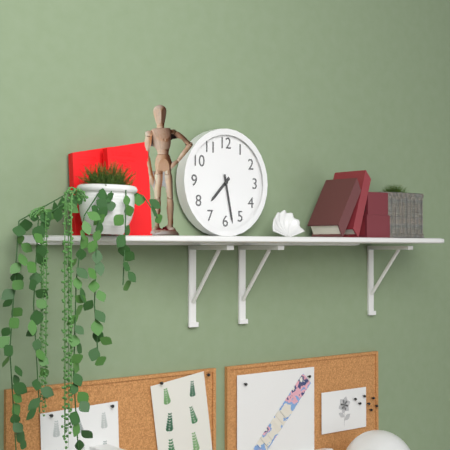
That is **7:28**
